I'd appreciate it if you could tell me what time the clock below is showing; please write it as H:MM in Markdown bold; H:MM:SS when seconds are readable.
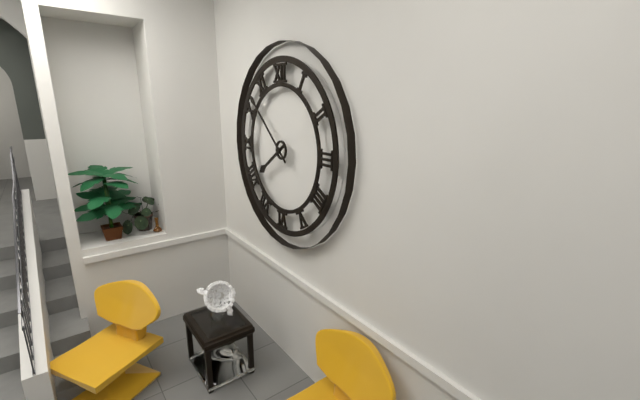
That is **7:52**
